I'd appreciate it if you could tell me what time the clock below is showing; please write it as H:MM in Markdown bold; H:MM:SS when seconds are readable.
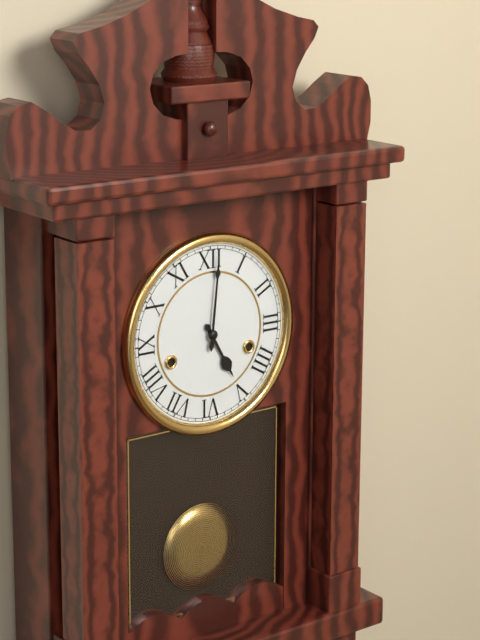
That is **5:01**
